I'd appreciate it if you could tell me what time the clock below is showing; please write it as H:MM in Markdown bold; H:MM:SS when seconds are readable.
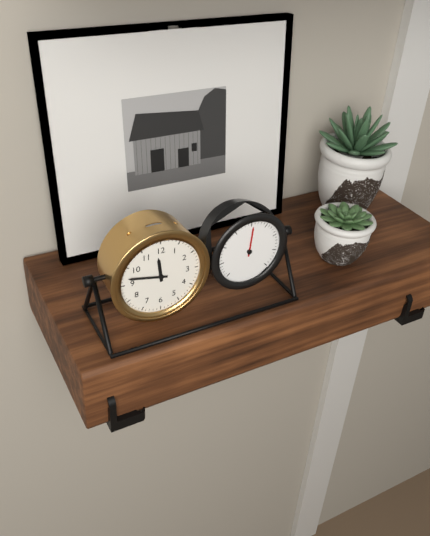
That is **11:47**
